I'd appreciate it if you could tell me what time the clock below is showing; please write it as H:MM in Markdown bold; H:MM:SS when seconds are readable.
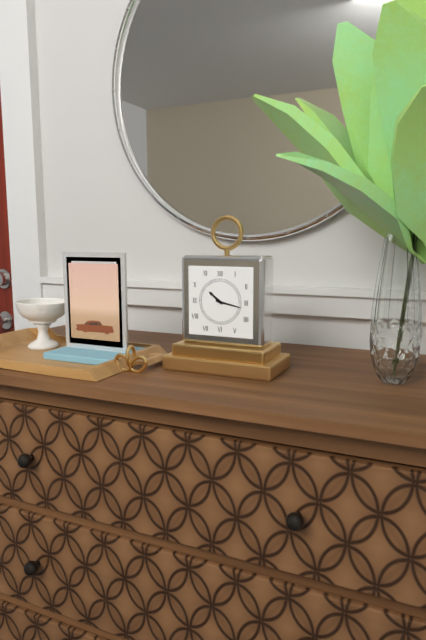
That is **10:17**
